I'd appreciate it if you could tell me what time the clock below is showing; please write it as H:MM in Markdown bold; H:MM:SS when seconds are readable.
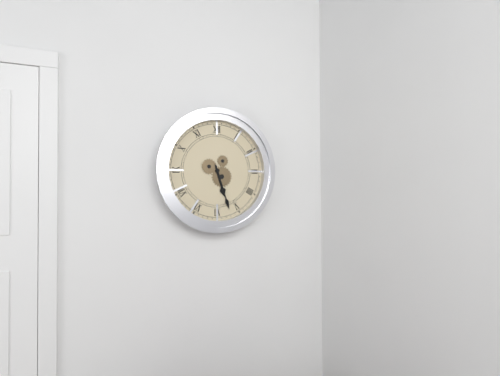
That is **5:27**
